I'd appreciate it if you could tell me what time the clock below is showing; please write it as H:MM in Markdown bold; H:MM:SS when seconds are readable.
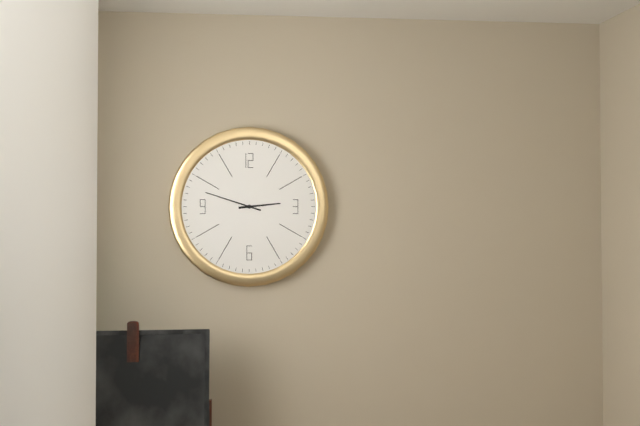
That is **2:48**
